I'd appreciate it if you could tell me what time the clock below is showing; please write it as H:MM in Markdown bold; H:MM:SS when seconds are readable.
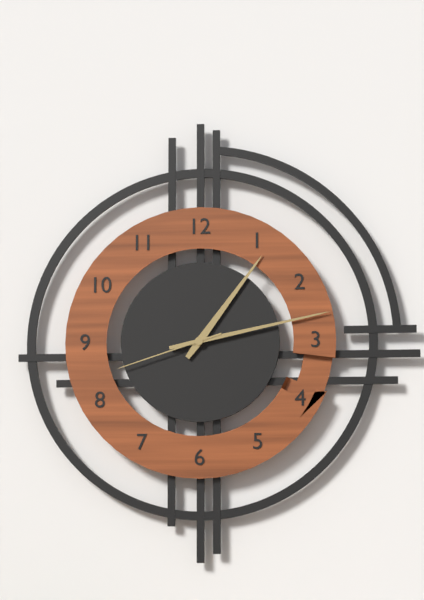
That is **1:13:42**
